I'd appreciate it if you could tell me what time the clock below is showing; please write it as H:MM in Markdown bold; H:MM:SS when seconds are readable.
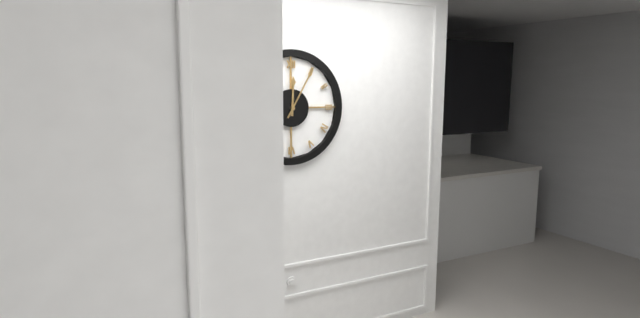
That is **12:05**
